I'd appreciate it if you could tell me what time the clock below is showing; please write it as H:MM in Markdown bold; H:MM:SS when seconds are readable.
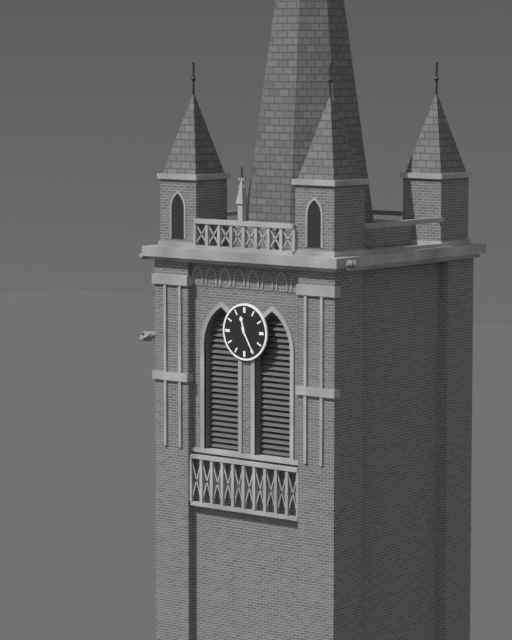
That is **11:25**
